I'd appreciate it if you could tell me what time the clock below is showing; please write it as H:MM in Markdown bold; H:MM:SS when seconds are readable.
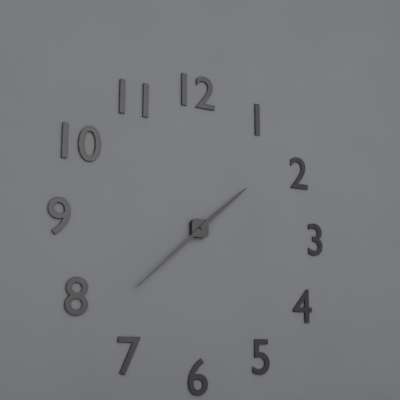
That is **1:38**
